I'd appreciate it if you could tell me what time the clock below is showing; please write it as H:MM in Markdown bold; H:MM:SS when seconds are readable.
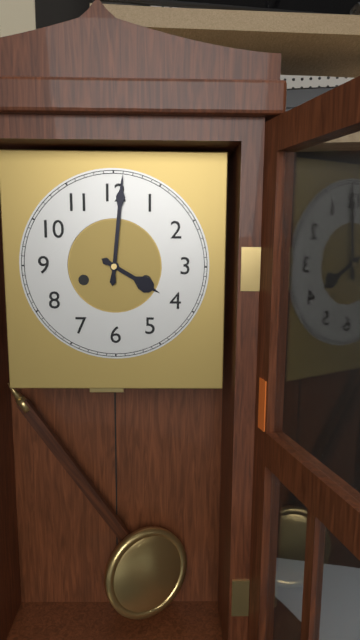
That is **4:01**
